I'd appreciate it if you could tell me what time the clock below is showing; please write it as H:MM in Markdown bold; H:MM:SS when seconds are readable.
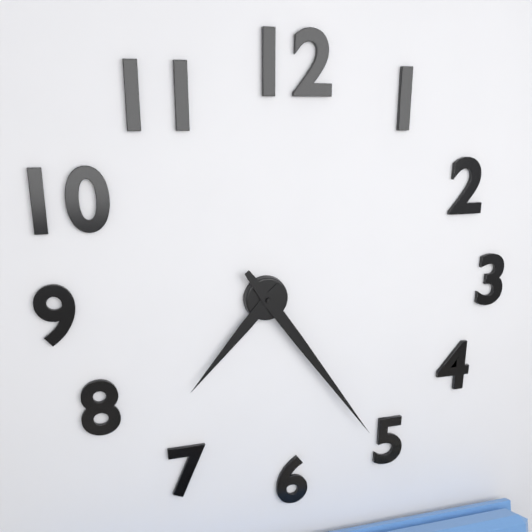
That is **7:24**
